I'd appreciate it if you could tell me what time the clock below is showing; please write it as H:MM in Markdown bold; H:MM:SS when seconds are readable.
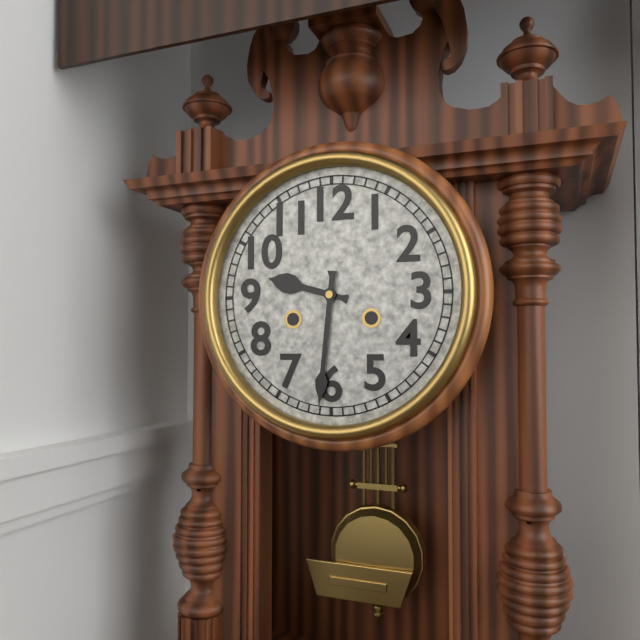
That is **9:31**
